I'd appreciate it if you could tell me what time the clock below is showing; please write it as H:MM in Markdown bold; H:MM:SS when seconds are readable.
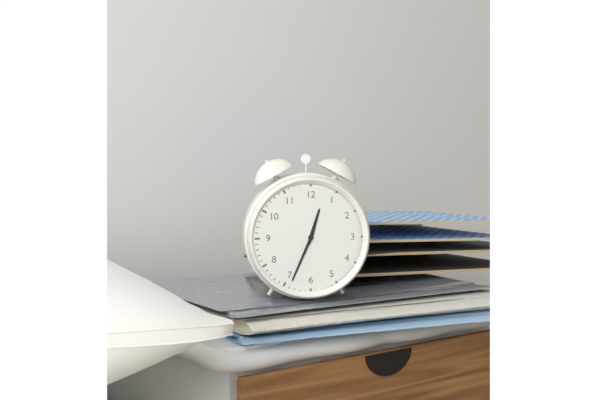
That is **12:34**
